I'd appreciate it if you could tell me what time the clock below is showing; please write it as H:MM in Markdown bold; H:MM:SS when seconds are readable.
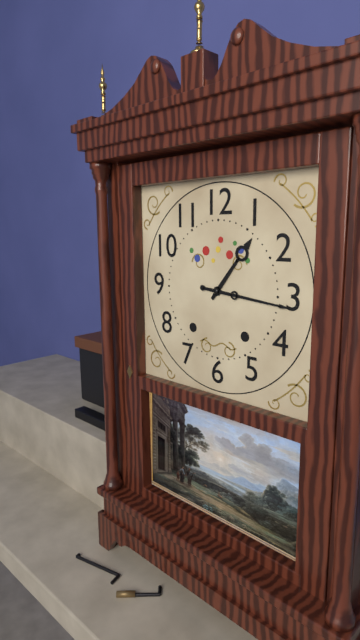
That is **1:16**
